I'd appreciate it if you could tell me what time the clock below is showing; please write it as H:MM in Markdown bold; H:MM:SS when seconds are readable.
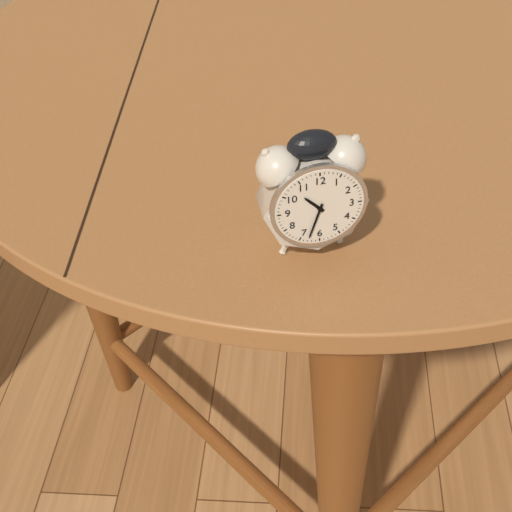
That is **10:33**
